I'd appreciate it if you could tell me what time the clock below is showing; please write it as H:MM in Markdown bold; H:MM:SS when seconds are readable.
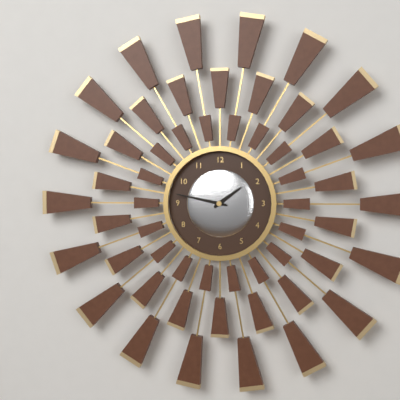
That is **1:47**
